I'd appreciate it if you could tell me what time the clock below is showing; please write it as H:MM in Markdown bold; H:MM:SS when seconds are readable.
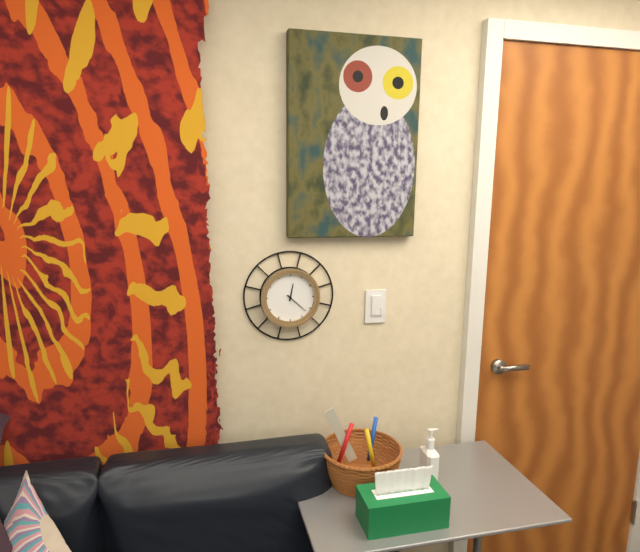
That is **12:22**
